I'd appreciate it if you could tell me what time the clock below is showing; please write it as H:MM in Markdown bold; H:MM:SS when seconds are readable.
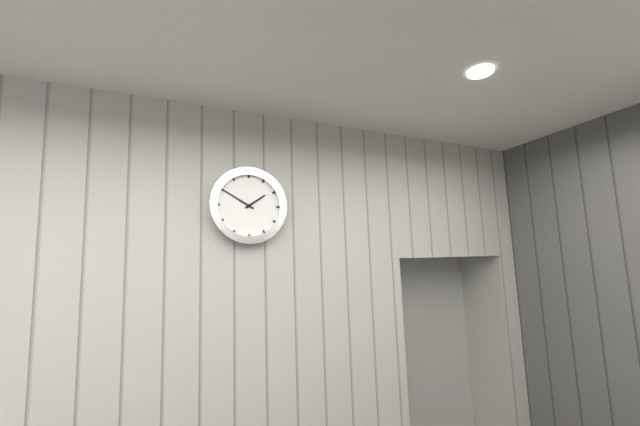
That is **1:50**
